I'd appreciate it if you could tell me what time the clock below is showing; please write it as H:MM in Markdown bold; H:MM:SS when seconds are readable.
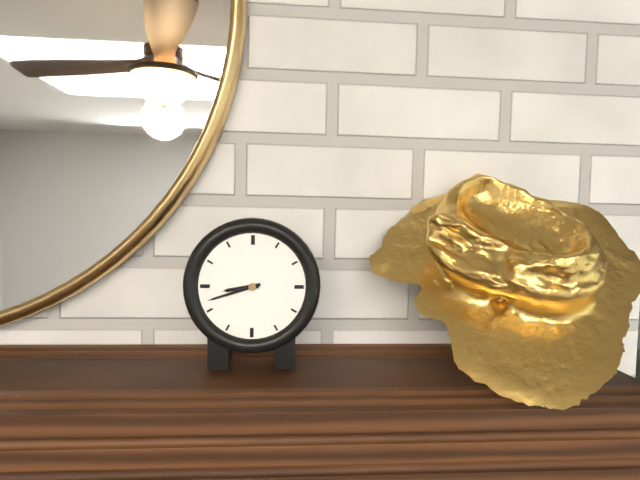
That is **8:42**
